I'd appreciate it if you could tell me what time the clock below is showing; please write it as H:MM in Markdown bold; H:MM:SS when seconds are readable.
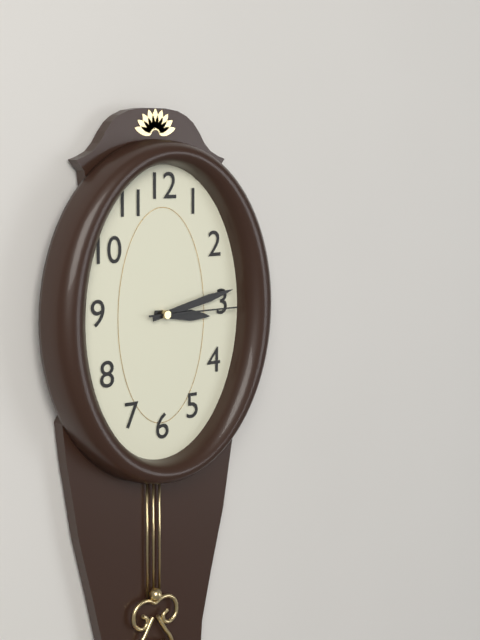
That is **3:13:15**
